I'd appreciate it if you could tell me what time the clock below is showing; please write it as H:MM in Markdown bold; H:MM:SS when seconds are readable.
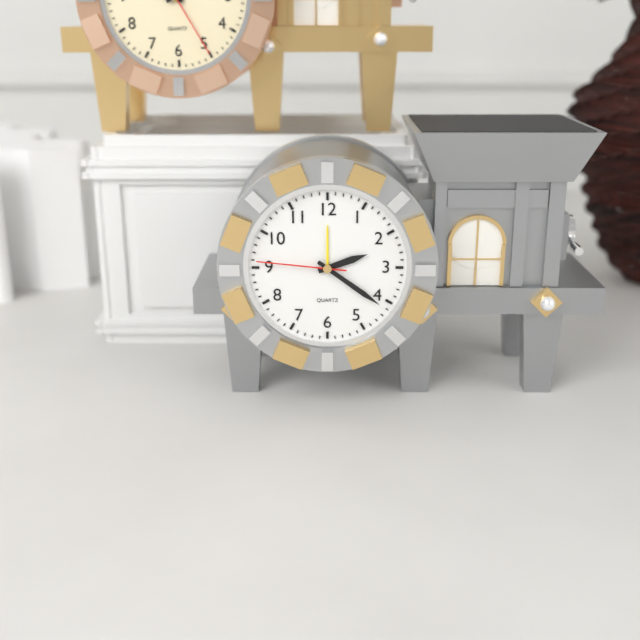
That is **2:21:46**
